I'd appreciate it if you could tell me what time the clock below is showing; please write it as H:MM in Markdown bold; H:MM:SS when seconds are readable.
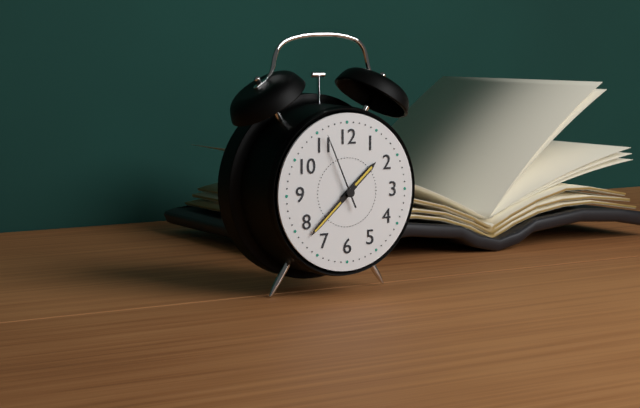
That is **1:38:56**
